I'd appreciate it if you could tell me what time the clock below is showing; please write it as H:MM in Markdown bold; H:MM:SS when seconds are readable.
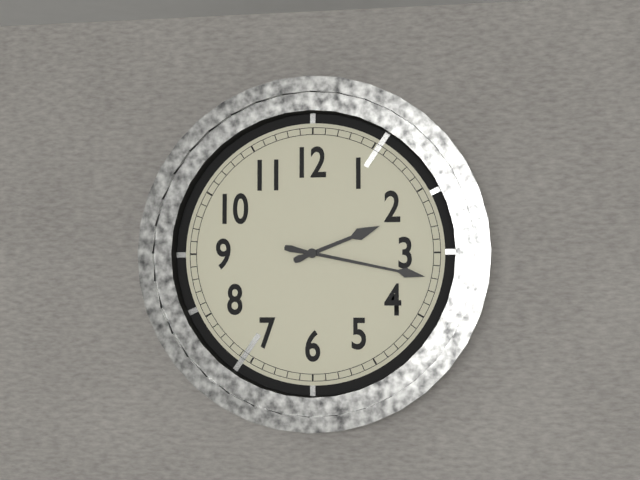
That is **2:17**
